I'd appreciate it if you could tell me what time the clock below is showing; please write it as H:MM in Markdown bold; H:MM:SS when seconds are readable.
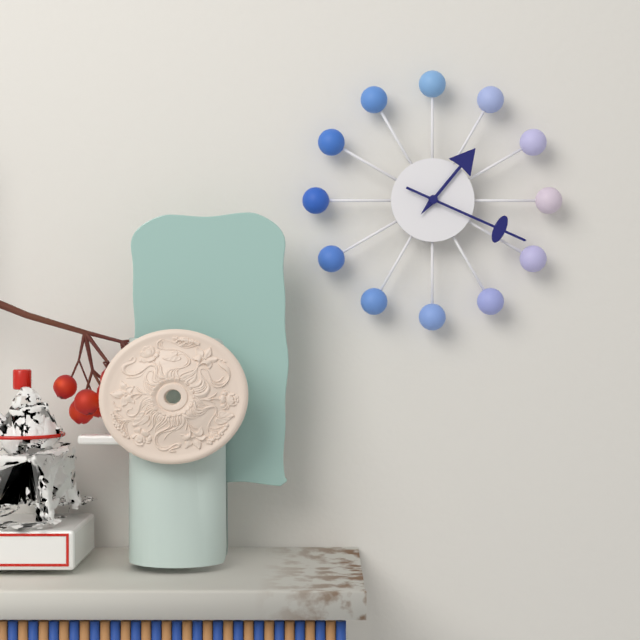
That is **1:19**
